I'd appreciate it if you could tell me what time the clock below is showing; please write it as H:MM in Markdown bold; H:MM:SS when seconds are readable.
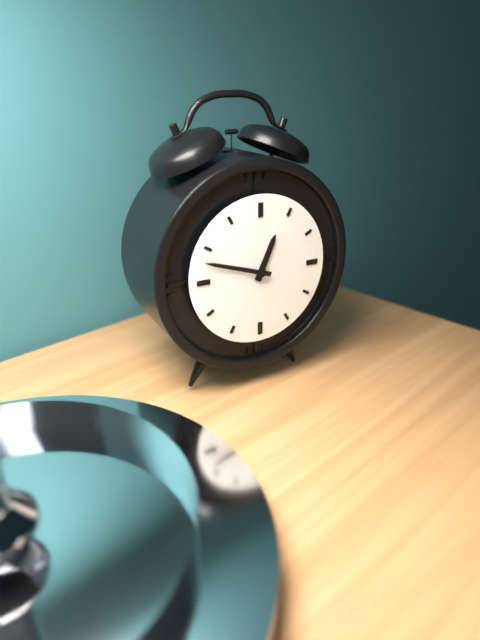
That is **12:48**
